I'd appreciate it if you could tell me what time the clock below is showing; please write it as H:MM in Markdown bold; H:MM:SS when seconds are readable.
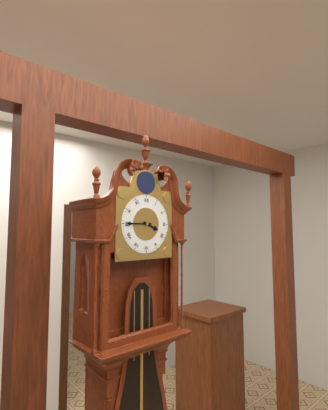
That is **3:45**
